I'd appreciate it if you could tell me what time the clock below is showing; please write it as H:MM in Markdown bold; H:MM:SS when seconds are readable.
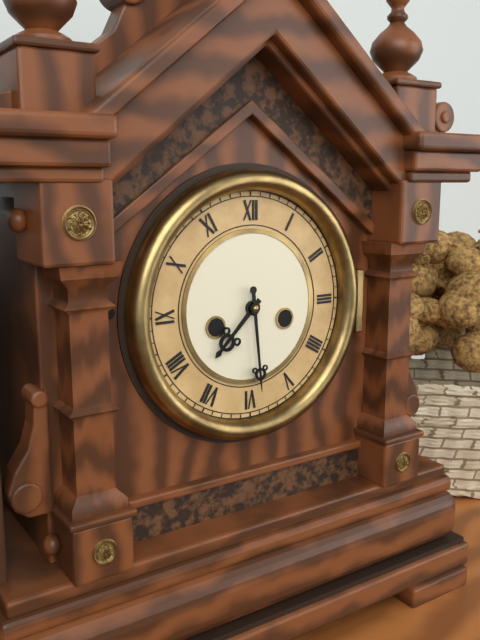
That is **7:29**
